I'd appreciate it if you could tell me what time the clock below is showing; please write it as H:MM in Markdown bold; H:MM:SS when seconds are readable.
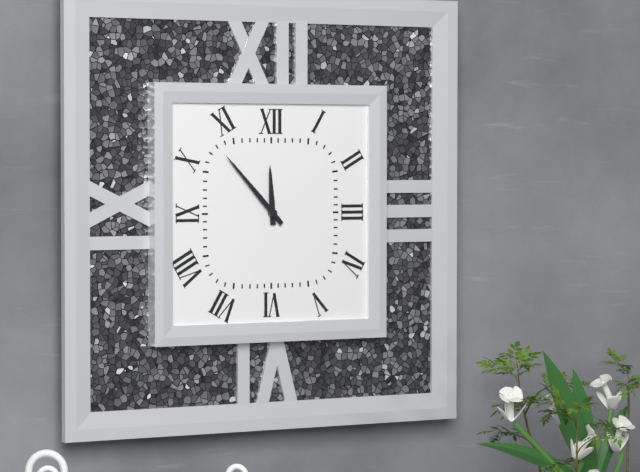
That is **11:53**
